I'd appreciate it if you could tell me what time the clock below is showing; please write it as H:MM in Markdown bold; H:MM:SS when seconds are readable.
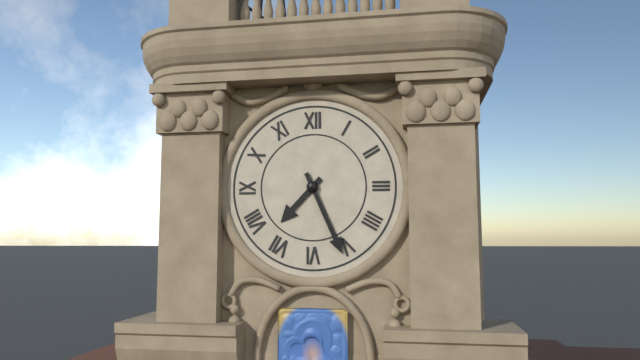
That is **7:26**
